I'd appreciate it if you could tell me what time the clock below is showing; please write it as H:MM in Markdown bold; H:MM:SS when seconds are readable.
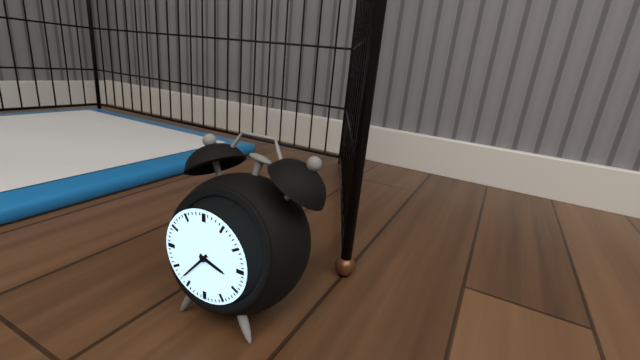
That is **3:37**
